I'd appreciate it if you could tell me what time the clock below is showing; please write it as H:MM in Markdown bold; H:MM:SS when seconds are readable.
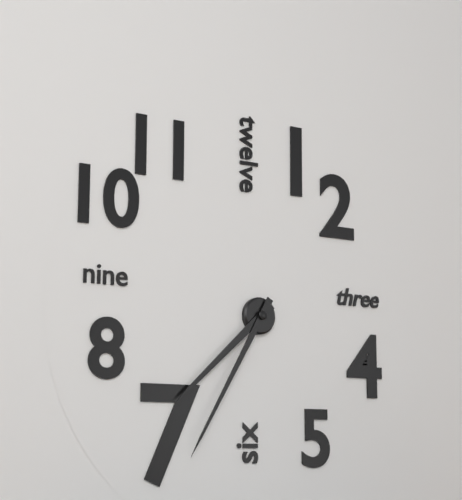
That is **7:35**
